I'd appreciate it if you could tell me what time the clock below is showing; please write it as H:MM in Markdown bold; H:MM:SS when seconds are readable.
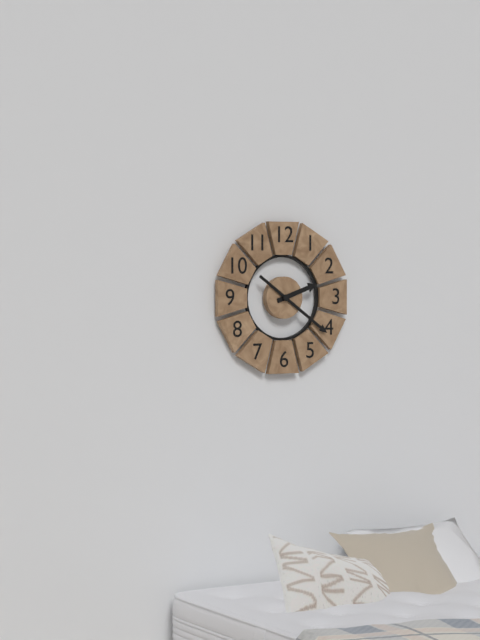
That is **2:21**
